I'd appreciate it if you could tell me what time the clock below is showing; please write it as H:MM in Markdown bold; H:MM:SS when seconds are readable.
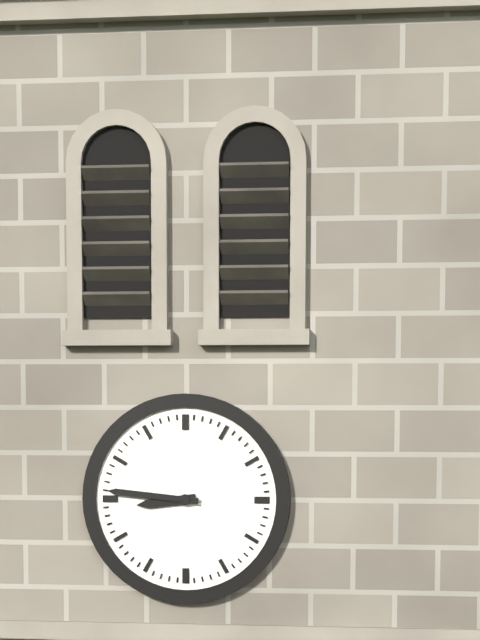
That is **8:46**
